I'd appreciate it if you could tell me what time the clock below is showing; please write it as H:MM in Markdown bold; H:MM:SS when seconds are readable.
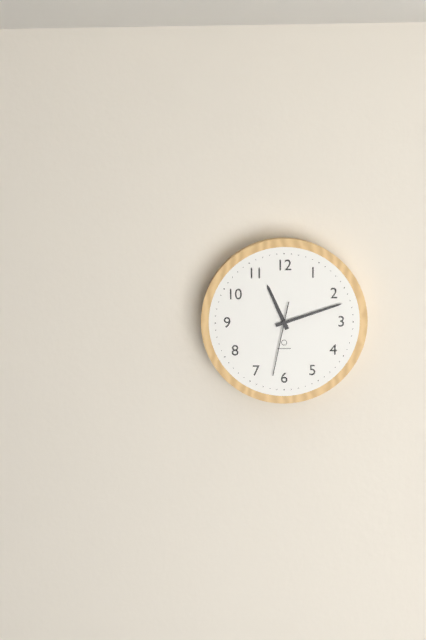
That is **11:12:32**
